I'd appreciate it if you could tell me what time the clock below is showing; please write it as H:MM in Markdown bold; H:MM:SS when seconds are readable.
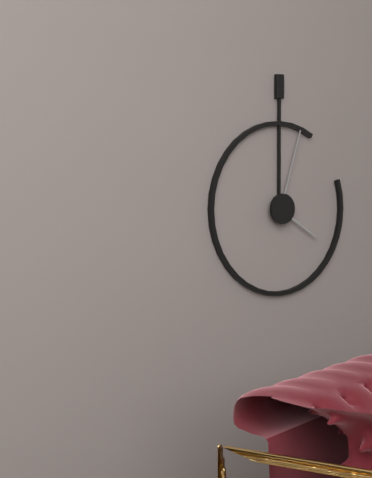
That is **4:03**
